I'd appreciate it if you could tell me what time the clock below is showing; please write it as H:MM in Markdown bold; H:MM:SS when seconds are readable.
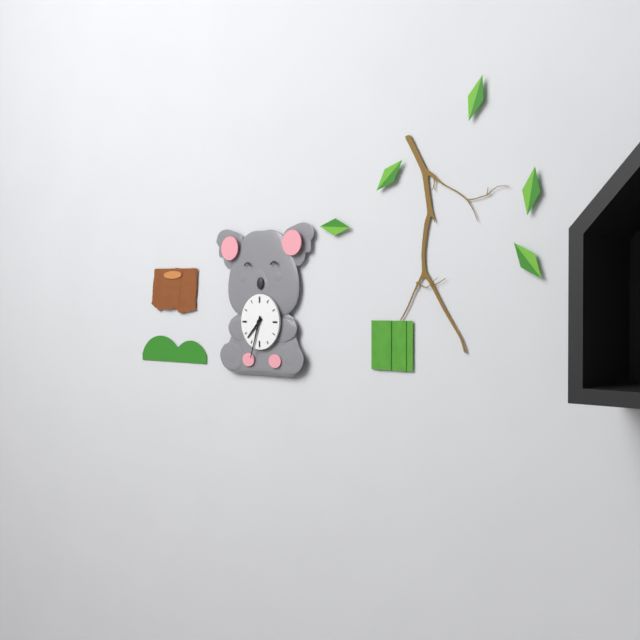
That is **7:33**
